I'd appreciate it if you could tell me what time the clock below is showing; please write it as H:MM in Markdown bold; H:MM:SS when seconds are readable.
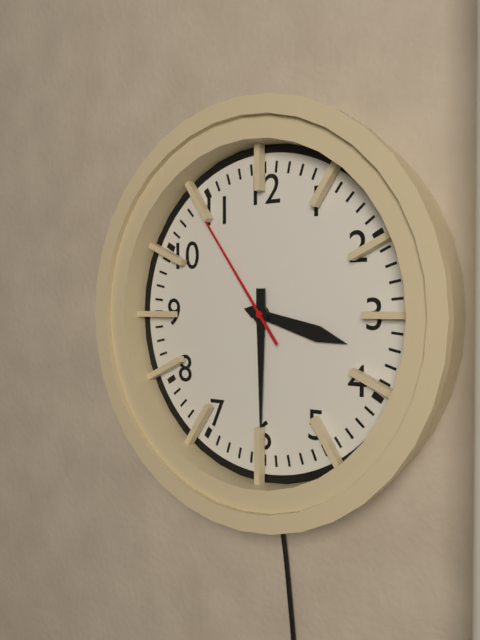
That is **3:30:54**
